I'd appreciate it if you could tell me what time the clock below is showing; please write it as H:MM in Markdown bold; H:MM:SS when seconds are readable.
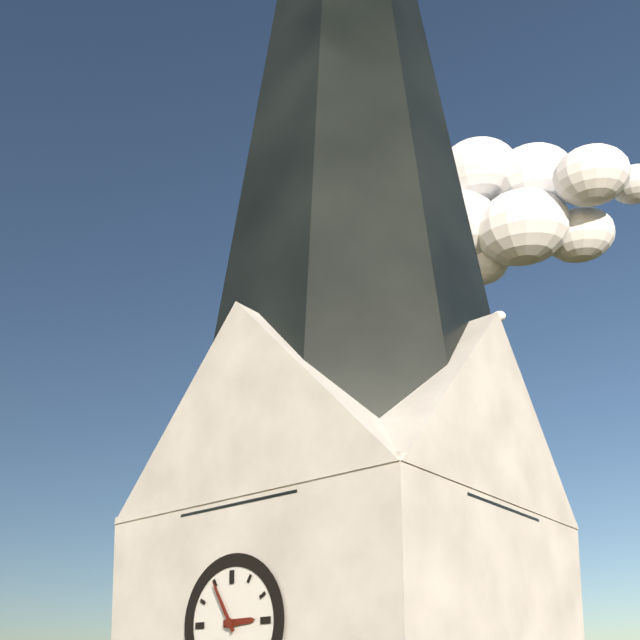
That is **2:55**
